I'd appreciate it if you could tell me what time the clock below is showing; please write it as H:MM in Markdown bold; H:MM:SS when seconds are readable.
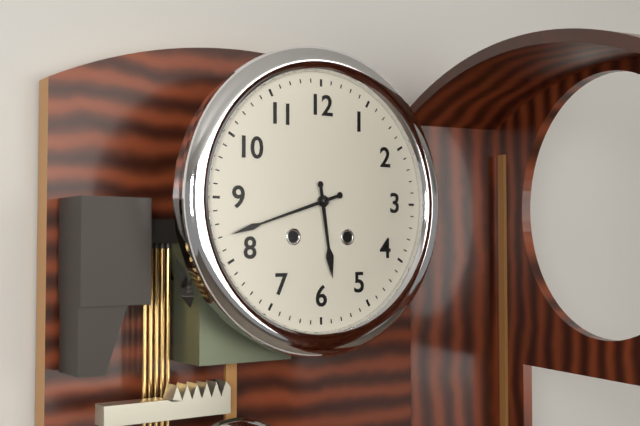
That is **5:42**
